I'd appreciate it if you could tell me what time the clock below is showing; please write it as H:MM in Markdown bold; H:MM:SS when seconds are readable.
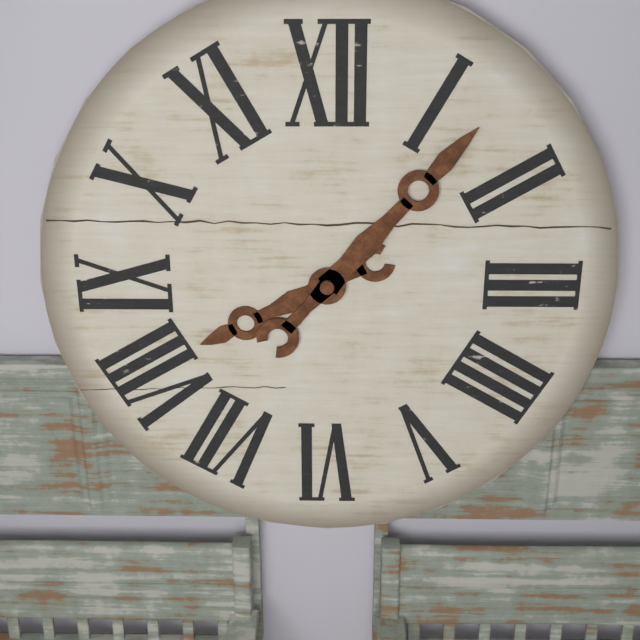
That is **8:07**
